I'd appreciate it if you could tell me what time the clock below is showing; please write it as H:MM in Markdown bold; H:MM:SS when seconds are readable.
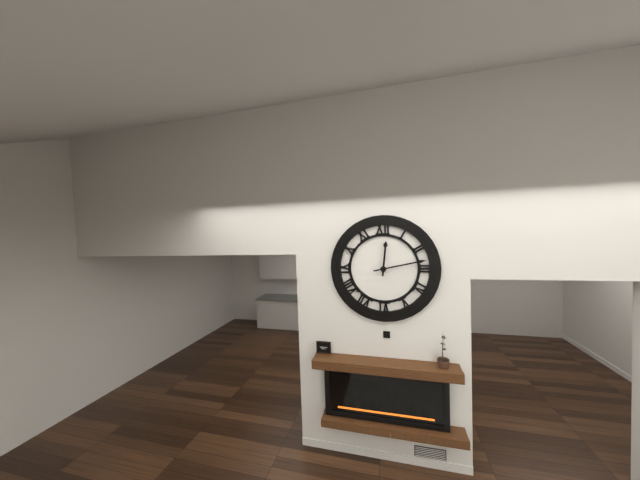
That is **12:13**
